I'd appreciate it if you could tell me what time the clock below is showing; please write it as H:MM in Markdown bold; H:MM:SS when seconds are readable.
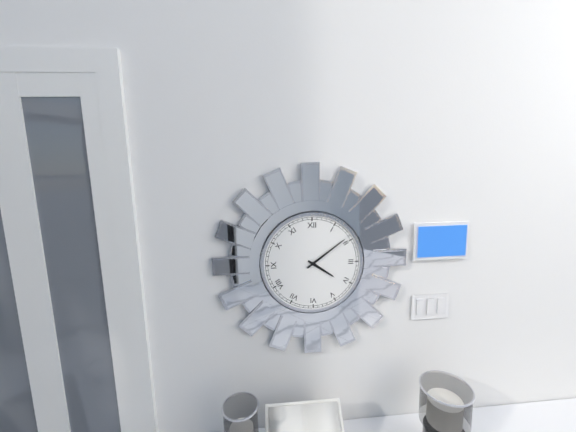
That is **4:09**
